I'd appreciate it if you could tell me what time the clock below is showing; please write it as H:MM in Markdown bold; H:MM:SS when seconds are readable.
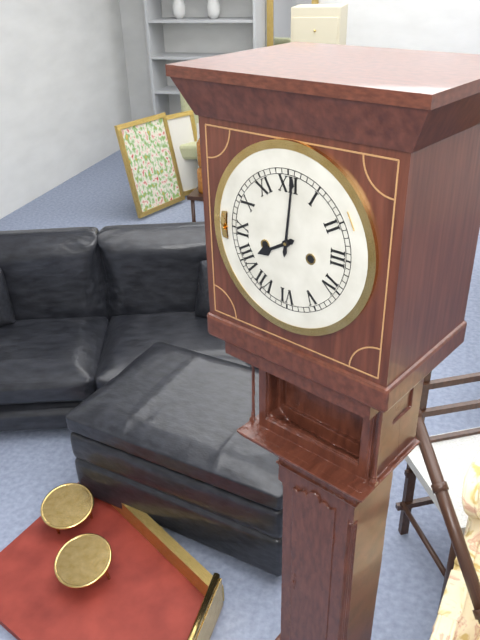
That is **8:01**
